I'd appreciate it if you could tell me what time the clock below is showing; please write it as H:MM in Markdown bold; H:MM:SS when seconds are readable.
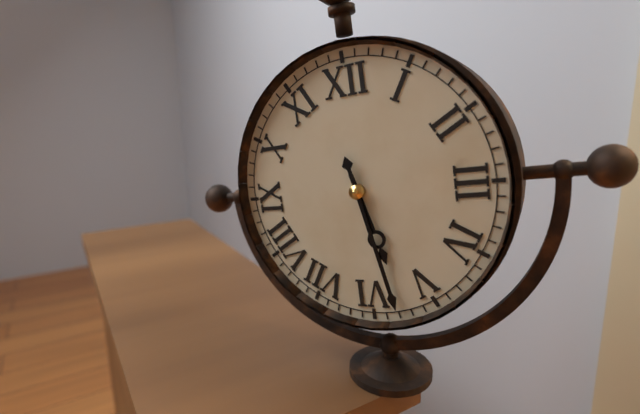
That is **5:28**
